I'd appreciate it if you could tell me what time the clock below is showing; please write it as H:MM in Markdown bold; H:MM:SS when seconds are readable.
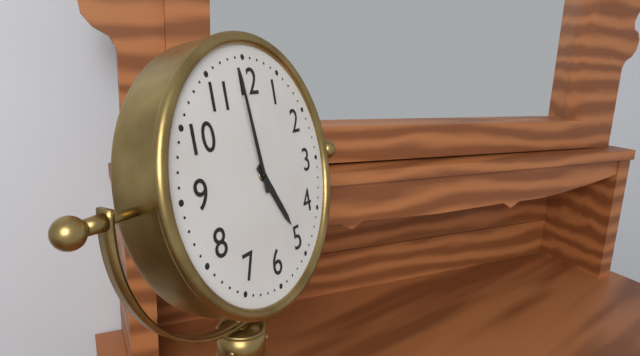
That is **4:59**
